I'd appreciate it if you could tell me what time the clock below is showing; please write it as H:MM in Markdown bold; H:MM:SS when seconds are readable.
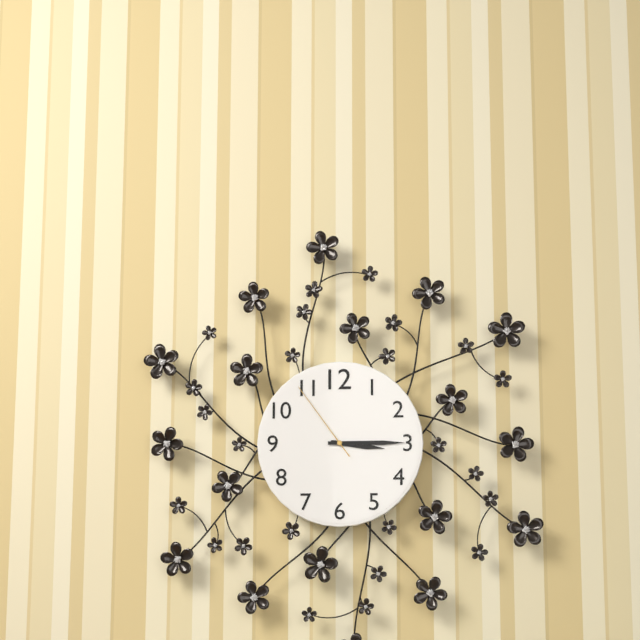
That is **3:15:54**
